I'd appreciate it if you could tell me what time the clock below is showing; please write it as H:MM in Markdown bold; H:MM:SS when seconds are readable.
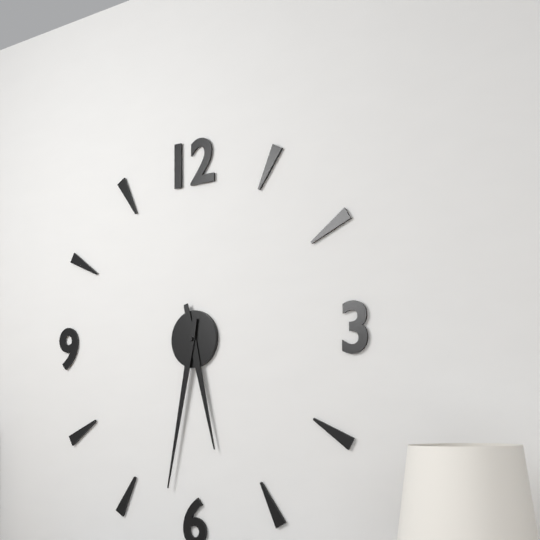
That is **5:32**
